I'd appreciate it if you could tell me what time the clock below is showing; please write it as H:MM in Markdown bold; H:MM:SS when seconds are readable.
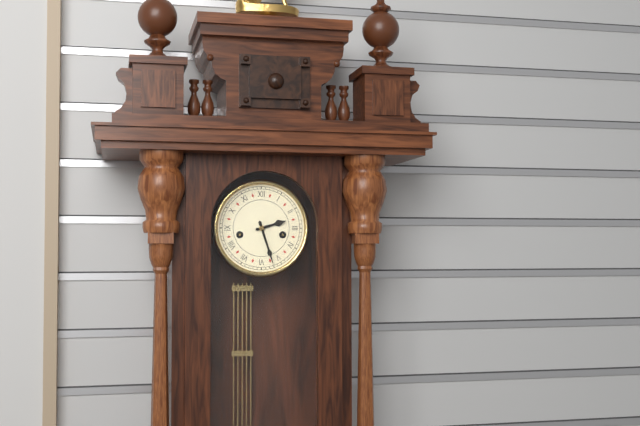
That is **2:27**
